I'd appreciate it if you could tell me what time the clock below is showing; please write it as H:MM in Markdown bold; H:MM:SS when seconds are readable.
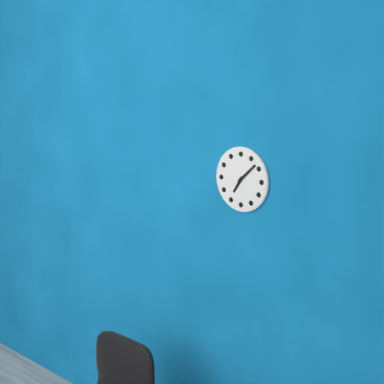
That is **7:08**
